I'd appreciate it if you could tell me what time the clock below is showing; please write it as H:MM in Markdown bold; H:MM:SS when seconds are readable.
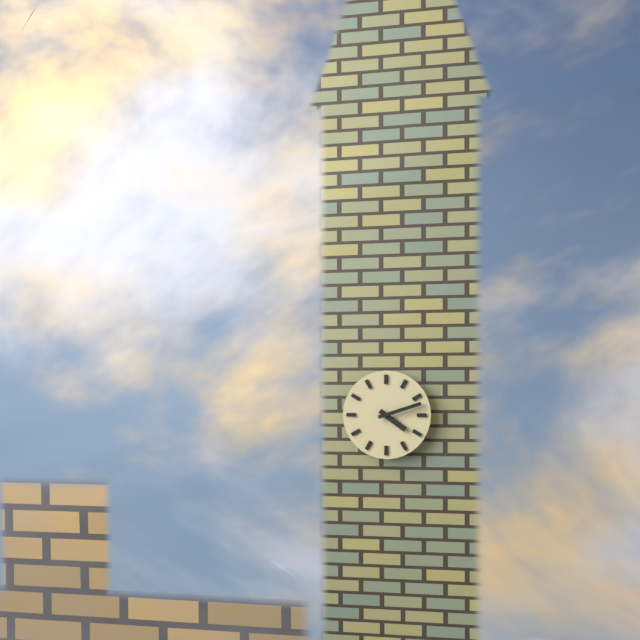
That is **4:12**
